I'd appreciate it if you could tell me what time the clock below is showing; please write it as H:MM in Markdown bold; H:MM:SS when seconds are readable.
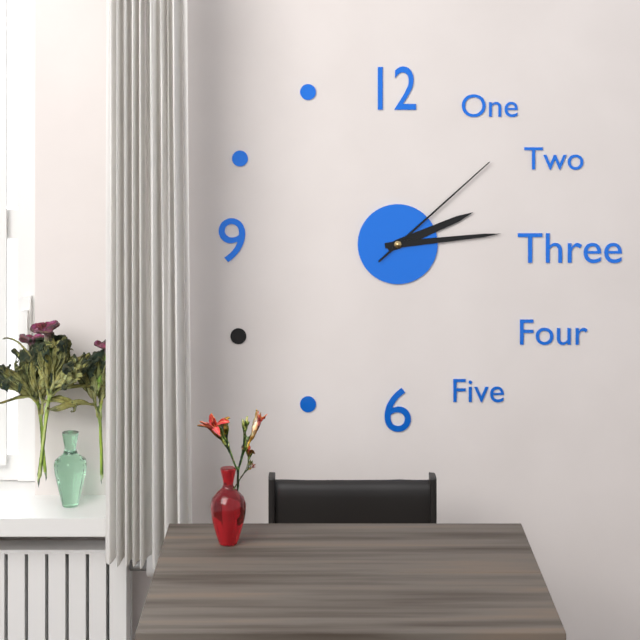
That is **2:14:08**
